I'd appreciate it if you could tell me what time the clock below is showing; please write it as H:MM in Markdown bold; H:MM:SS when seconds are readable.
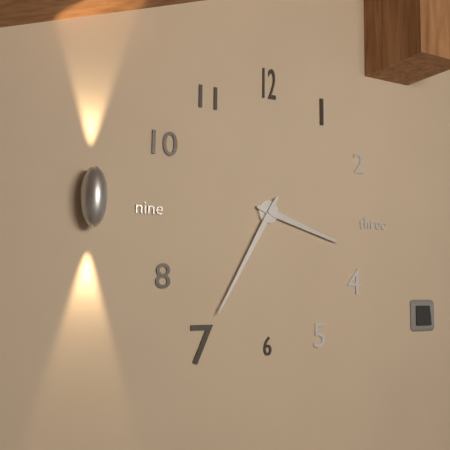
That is **3:35**
